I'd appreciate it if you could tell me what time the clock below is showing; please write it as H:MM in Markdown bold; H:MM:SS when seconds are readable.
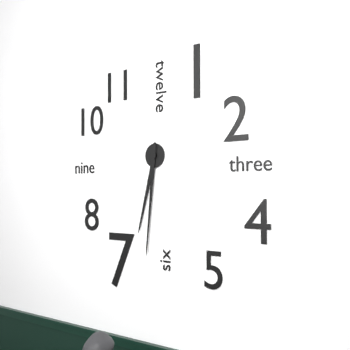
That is **6:31**
